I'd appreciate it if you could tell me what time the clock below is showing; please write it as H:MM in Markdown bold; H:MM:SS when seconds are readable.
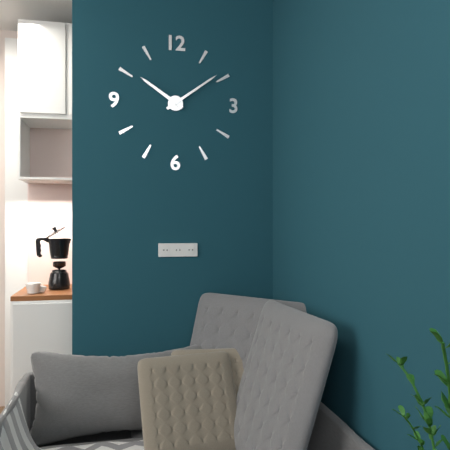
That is **10:09**
